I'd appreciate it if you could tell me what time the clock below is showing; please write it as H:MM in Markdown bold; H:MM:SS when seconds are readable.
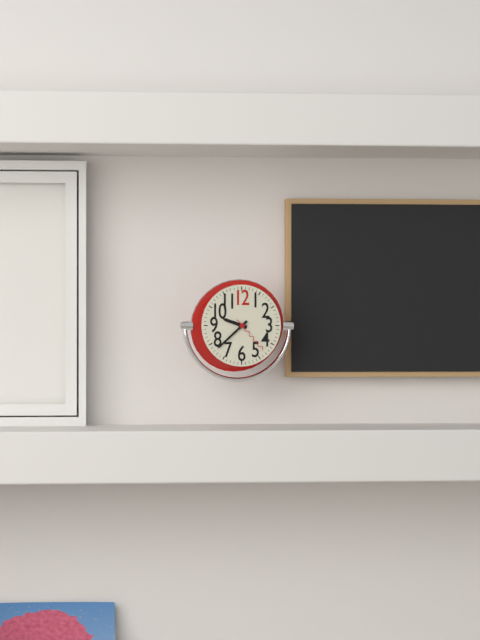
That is **9:38**
